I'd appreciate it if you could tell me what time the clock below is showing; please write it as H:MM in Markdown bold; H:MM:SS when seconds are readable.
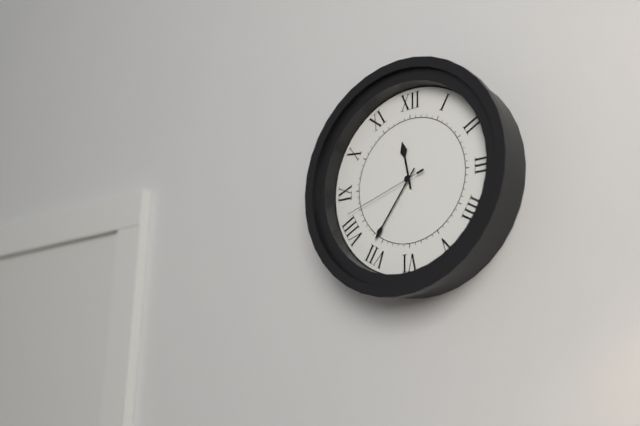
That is **11:36:42**
